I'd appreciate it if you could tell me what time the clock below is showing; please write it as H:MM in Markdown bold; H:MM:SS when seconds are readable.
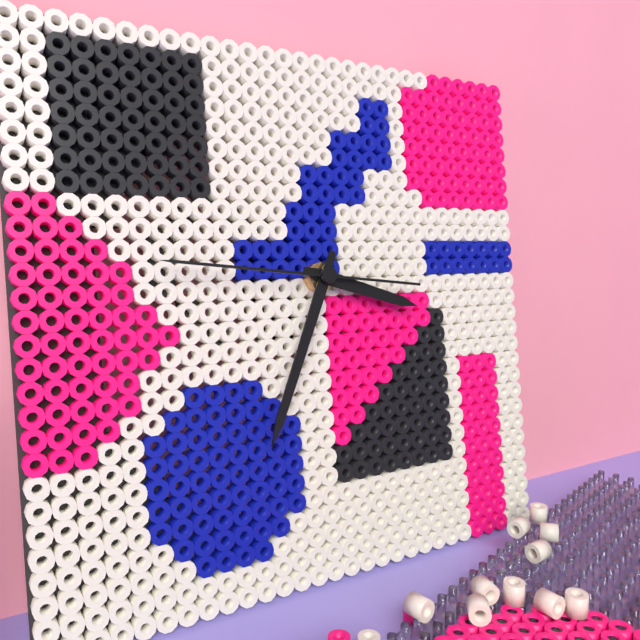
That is **3:34:46**
